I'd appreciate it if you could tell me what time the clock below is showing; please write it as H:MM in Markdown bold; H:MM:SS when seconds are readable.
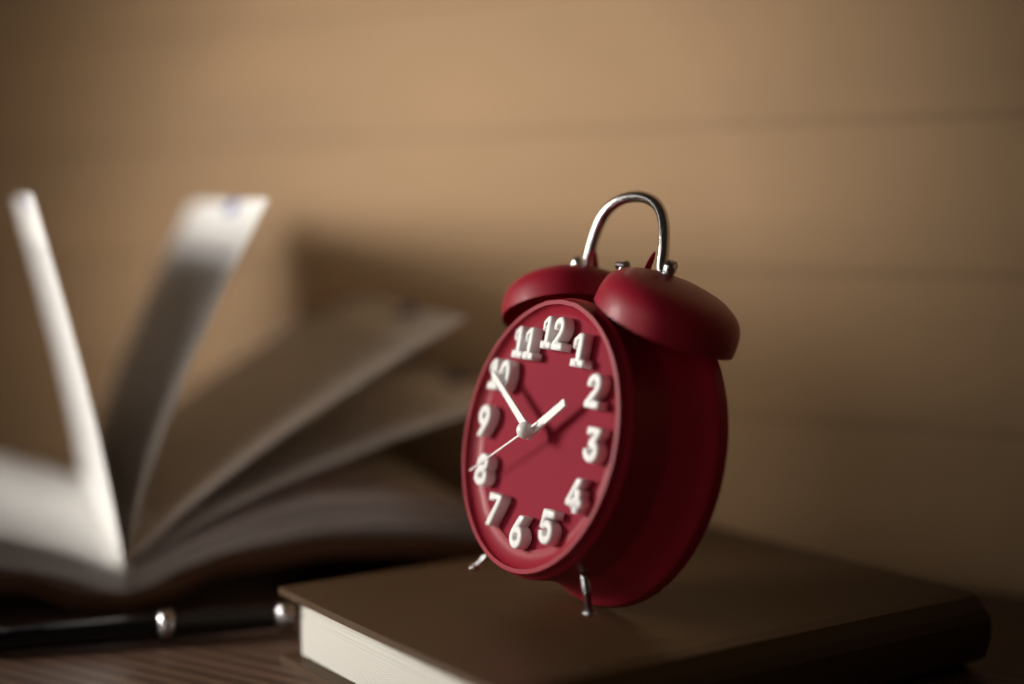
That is **1:50:40**
